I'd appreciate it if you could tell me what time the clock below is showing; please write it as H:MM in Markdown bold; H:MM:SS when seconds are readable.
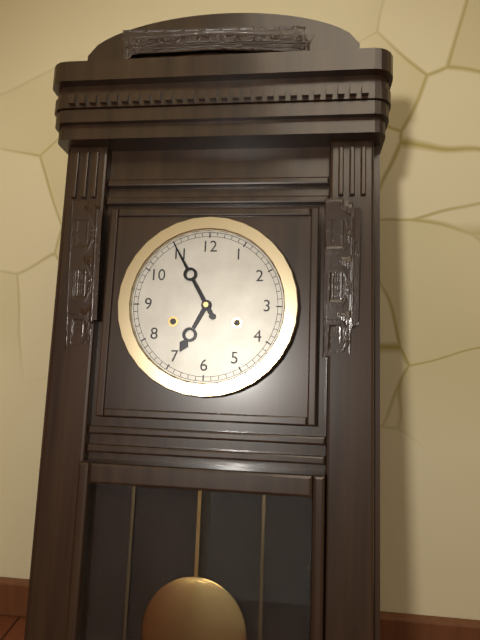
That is **6:55**
